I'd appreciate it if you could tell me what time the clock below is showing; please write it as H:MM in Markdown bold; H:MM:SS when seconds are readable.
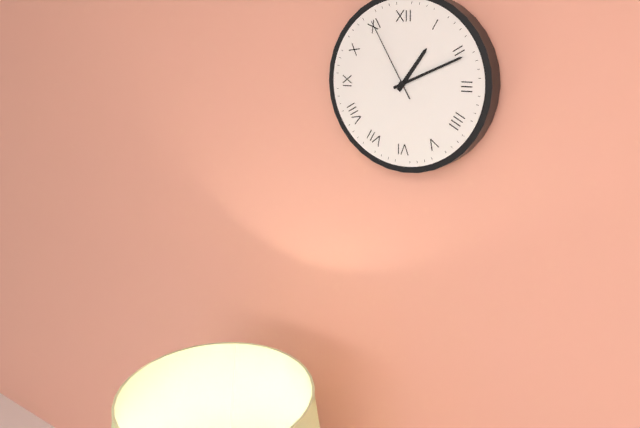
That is **1:11:55**
